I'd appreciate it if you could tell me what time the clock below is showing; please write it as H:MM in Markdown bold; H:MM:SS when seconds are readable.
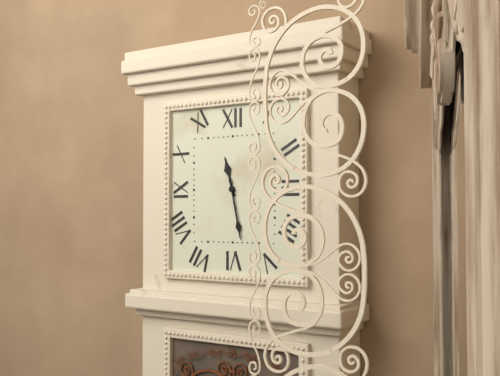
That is **11:28**
